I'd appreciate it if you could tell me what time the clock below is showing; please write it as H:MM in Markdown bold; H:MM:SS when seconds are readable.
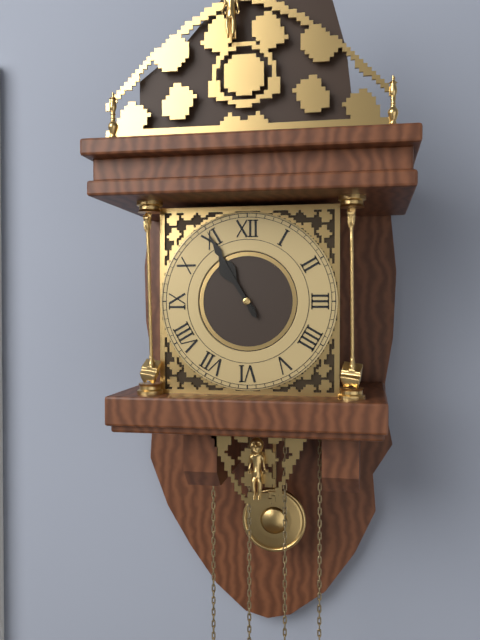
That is **10:55**
